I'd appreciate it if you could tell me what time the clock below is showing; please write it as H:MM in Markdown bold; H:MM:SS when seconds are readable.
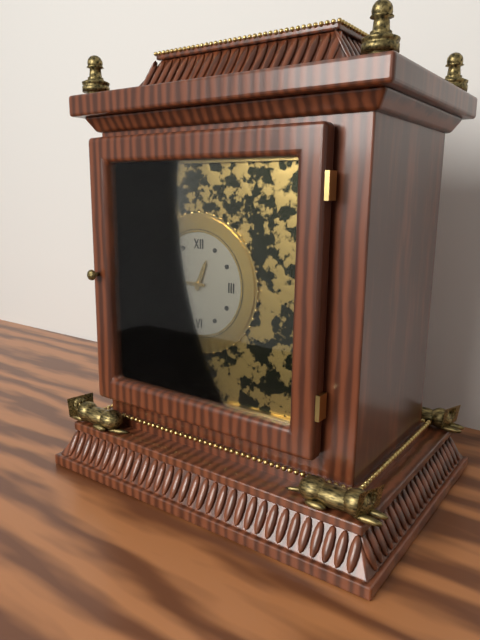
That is **12:45**
